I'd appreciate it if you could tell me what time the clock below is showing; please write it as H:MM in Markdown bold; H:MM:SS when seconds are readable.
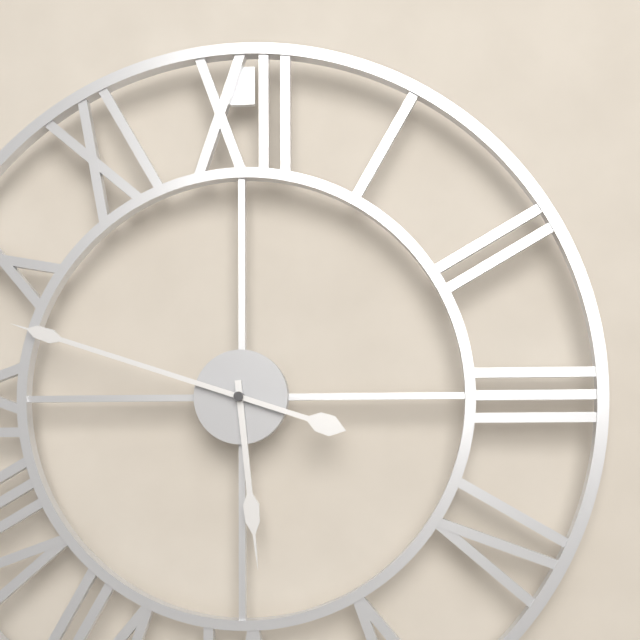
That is **5:48**
